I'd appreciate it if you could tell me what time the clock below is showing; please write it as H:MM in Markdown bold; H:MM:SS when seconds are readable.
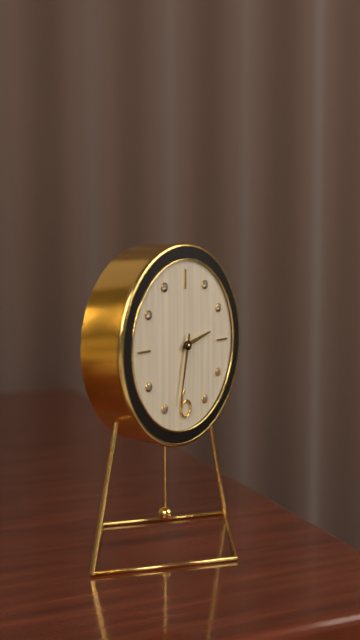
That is **2:32**
